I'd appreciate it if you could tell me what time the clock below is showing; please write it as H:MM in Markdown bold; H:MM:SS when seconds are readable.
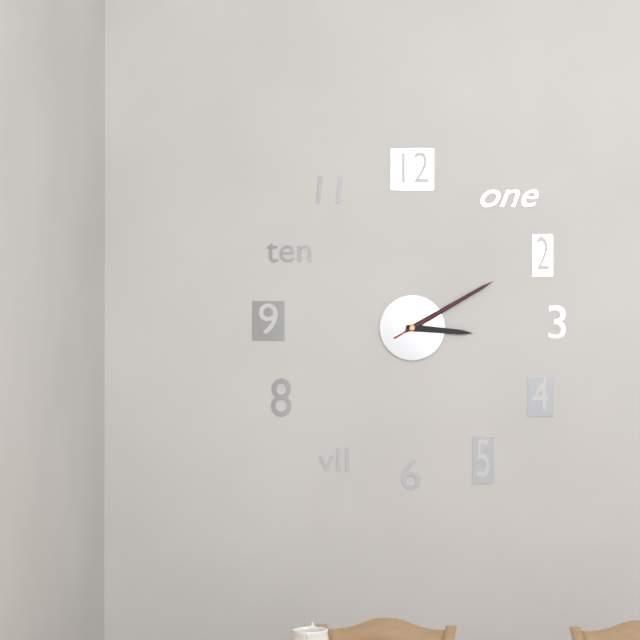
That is **3:10:10**
